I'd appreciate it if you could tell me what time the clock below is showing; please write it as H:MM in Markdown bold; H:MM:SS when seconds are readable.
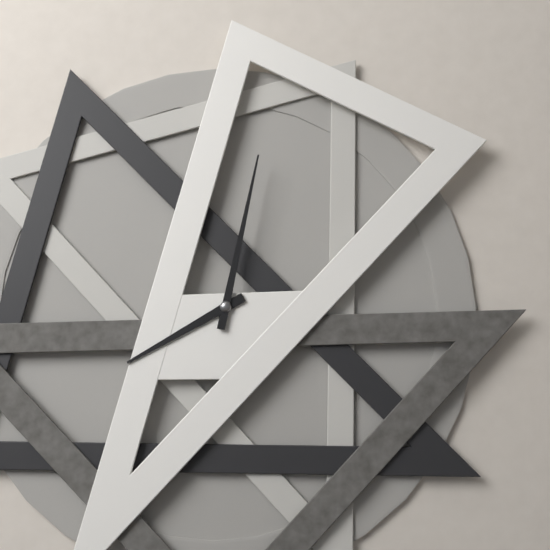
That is **8:02**
